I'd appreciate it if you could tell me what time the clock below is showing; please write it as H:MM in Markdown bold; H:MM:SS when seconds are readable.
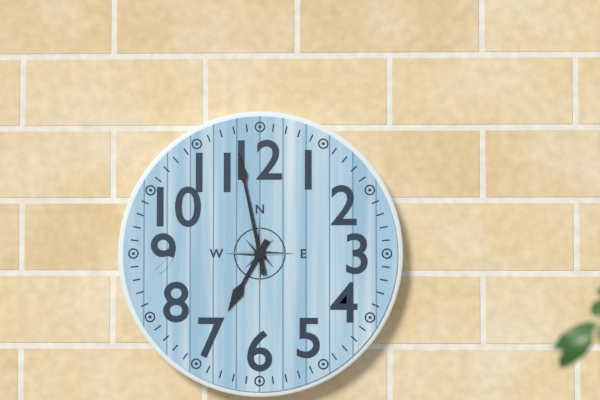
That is **6:58**
